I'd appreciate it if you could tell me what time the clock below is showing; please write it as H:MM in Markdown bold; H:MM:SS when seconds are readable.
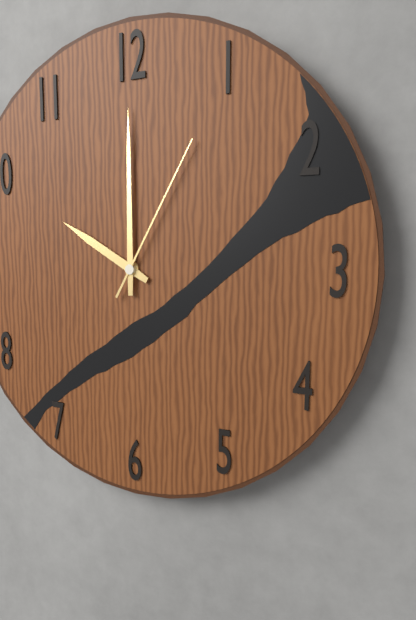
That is **10:00:05**
